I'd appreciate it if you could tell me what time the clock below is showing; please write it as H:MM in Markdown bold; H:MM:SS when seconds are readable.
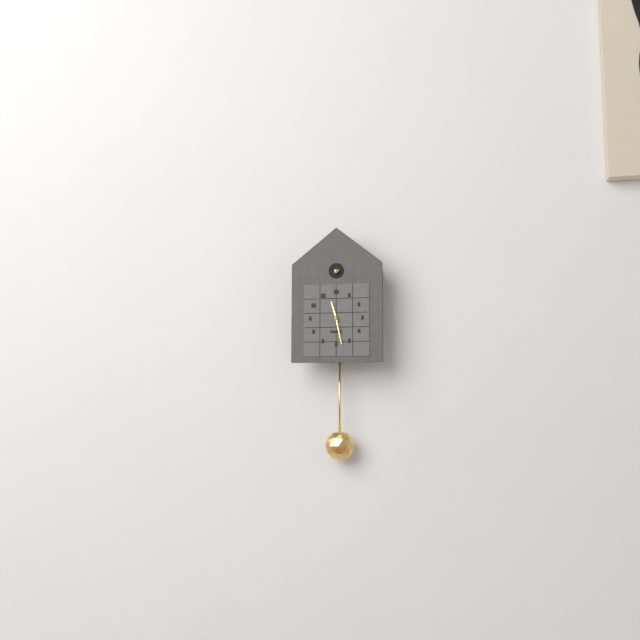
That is **11:28**
